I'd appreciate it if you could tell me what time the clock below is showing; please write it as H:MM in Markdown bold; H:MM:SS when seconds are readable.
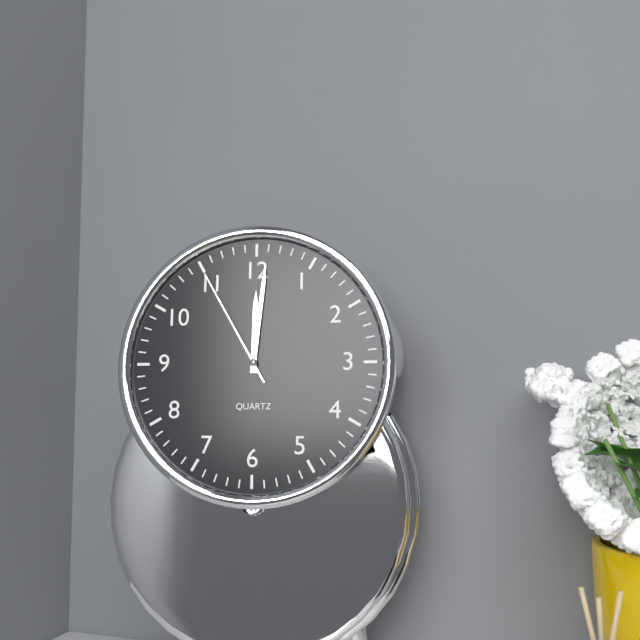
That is **12:01:55**
